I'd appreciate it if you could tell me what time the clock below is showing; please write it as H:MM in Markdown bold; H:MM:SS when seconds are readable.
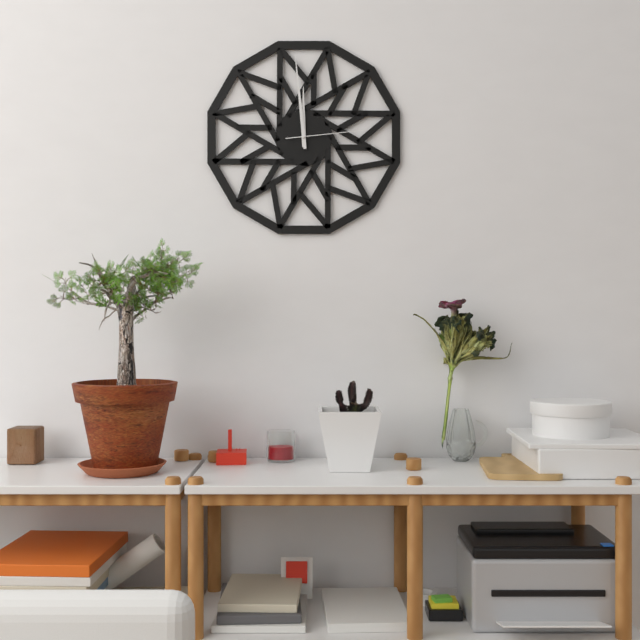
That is **11:59:14**
